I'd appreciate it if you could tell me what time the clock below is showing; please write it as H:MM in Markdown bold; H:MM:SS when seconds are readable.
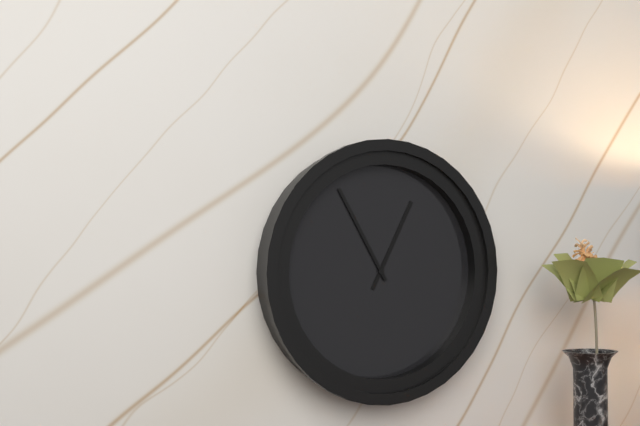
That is **12:55**
